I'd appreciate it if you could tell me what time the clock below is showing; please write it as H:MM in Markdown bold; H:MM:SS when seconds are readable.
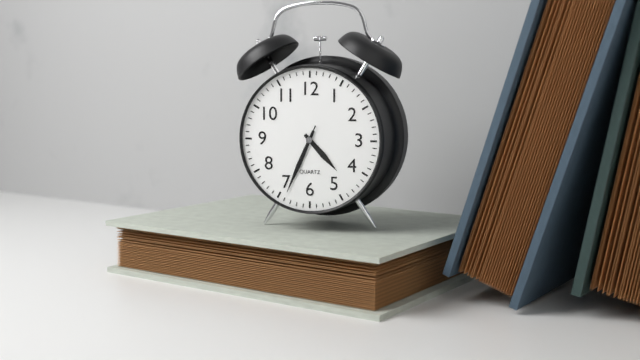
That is **4:34:34**
